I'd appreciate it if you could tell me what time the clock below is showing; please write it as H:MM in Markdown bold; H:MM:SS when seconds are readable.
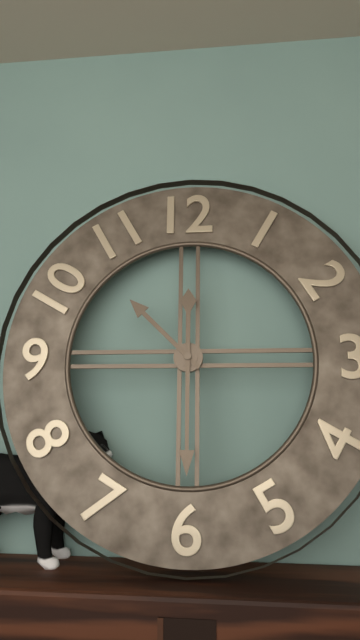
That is **10:30**
